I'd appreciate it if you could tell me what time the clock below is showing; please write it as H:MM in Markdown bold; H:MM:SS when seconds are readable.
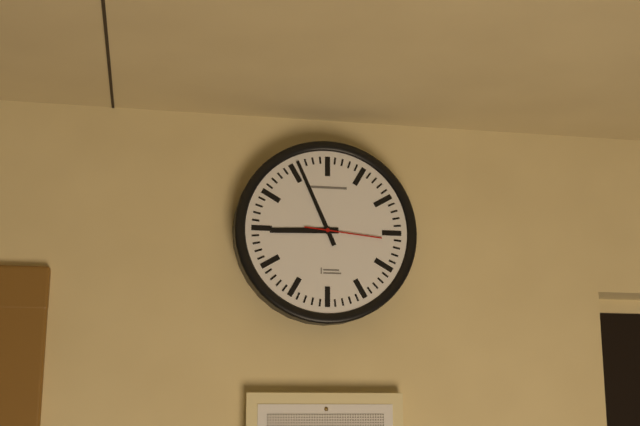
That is **8:56:16**
